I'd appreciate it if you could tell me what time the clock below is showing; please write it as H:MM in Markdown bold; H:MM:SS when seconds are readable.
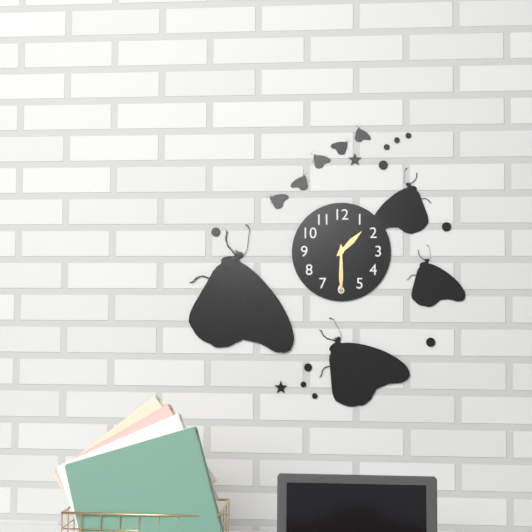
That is **1:30**
